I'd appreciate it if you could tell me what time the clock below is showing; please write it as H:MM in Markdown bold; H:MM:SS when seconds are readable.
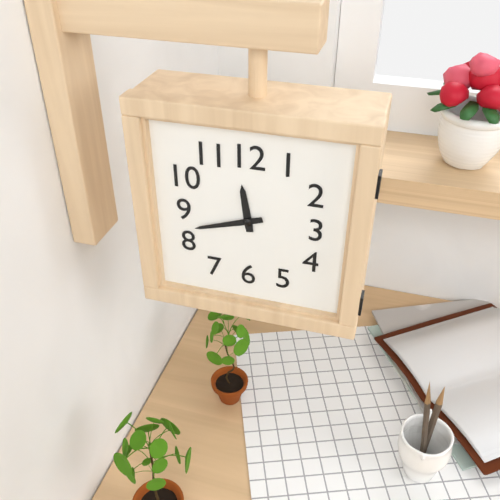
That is **11:42**
